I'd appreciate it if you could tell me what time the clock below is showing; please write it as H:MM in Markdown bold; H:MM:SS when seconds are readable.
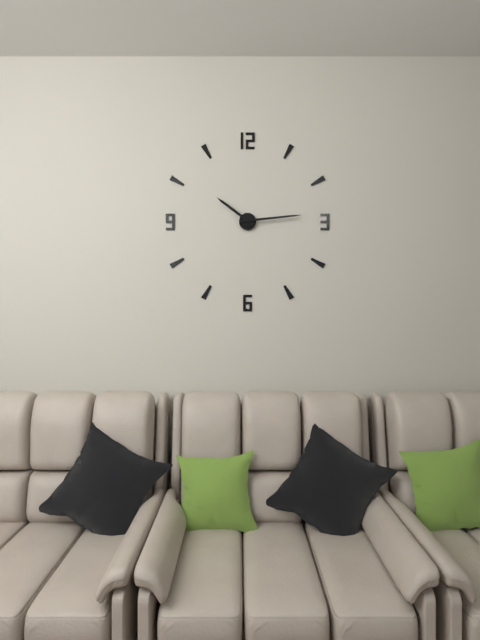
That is **10:14**
